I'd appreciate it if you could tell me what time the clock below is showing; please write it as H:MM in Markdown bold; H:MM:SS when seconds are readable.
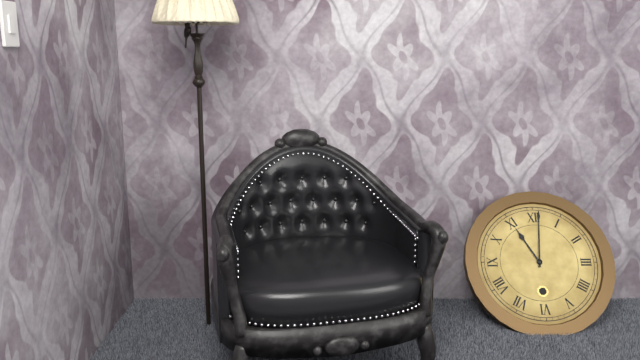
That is **11:01**
